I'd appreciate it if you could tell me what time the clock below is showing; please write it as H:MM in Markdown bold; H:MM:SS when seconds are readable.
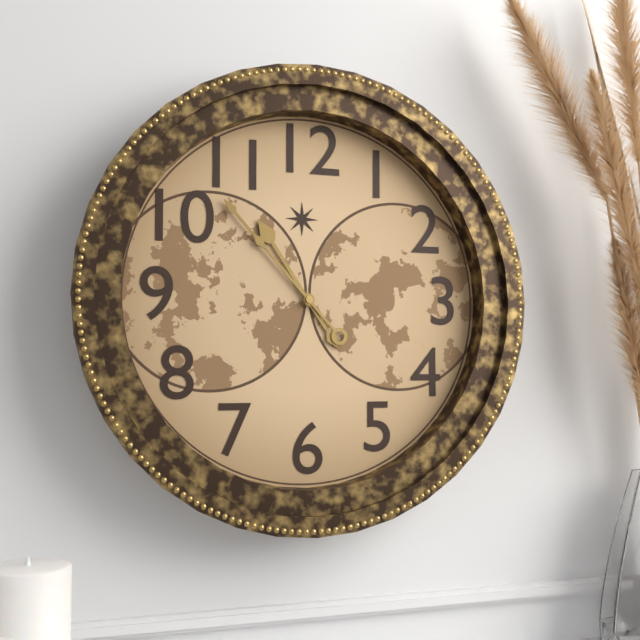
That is **10:53**
